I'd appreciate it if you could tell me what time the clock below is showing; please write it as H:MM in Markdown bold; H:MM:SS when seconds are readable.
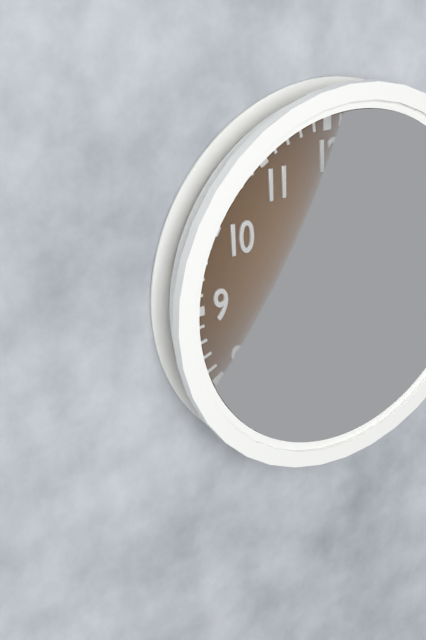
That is **7:00:27**
